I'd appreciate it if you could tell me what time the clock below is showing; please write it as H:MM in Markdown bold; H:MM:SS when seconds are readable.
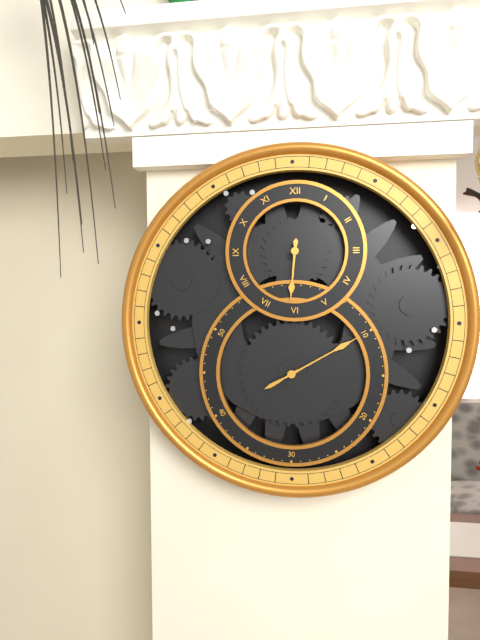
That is **6:10**
